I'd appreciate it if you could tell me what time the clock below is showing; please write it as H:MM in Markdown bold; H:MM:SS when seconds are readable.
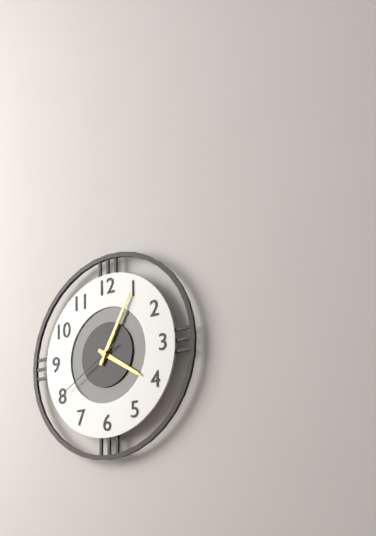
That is **4:05:40**
